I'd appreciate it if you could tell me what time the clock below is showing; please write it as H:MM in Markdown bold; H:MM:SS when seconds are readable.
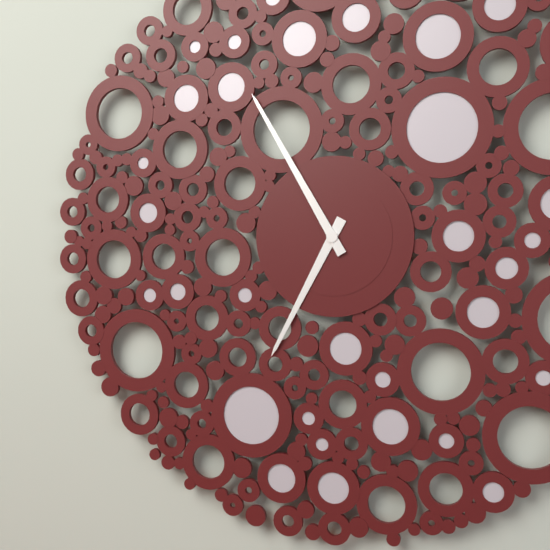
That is **6:55**
